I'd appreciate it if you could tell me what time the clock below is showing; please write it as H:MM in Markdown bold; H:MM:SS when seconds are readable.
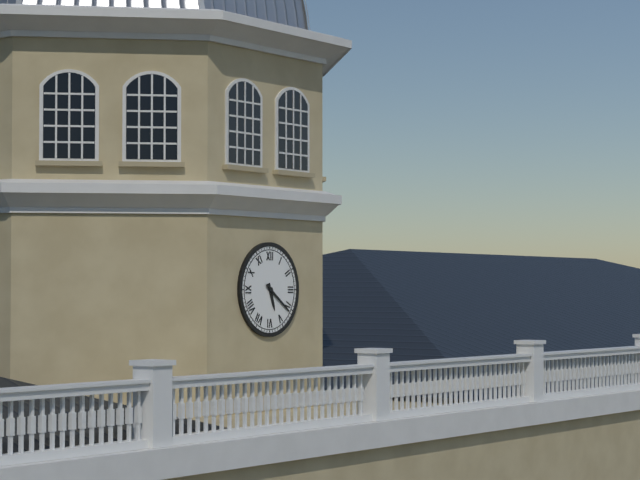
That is **5:21**
